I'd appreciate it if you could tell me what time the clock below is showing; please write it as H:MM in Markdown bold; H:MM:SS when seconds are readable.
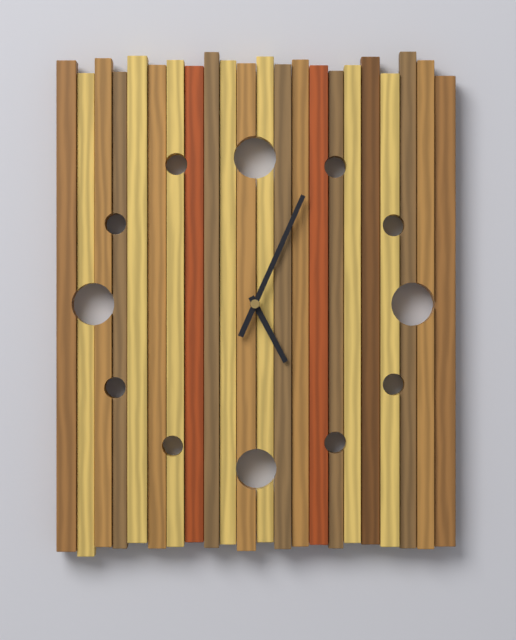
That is **5:04**
